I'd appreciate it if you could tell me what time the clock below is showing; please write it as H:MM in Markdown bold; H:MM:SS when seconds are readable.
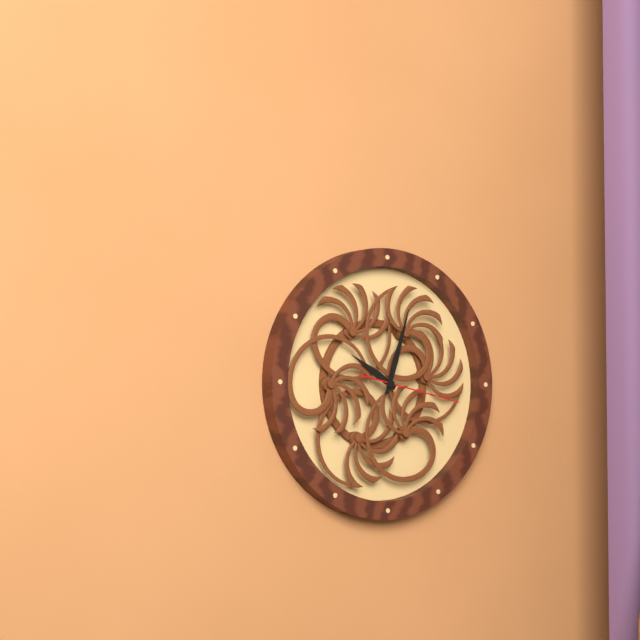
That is **10:03:17**
